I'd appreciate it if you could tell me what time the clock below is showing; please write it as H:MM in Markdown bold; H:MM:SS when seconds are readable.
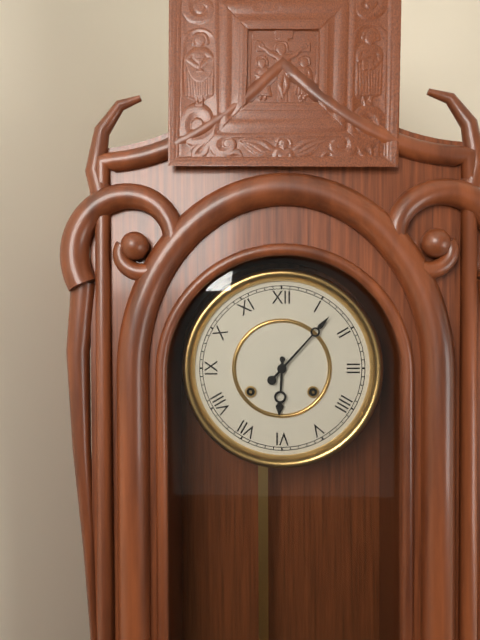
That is **6:07**
